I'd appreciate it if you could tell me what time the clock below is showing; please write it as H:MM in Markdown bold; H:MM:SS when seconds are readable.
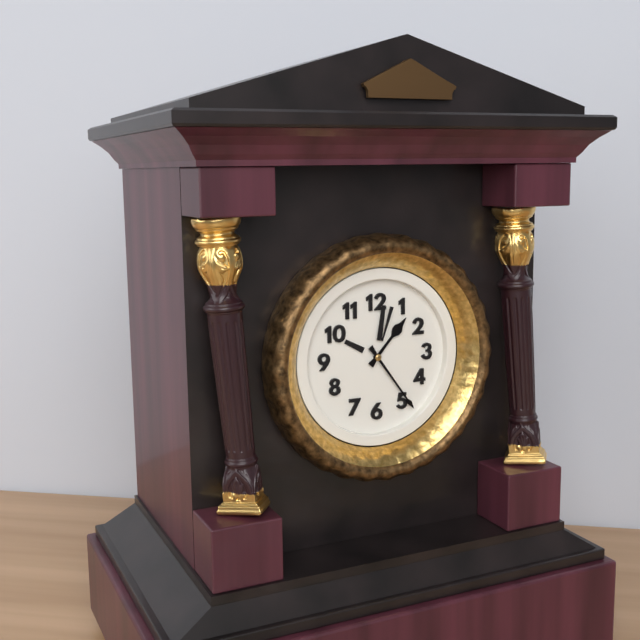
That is **1:24**
